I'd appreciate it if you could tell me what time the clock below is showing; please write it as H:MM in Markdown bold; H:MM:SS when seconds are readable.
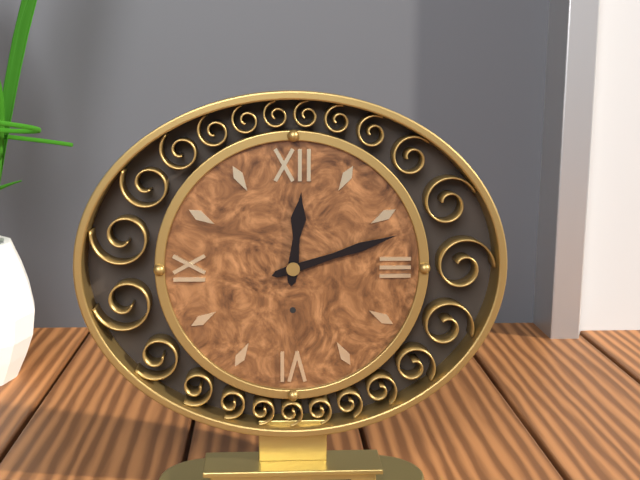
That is **12:12**
